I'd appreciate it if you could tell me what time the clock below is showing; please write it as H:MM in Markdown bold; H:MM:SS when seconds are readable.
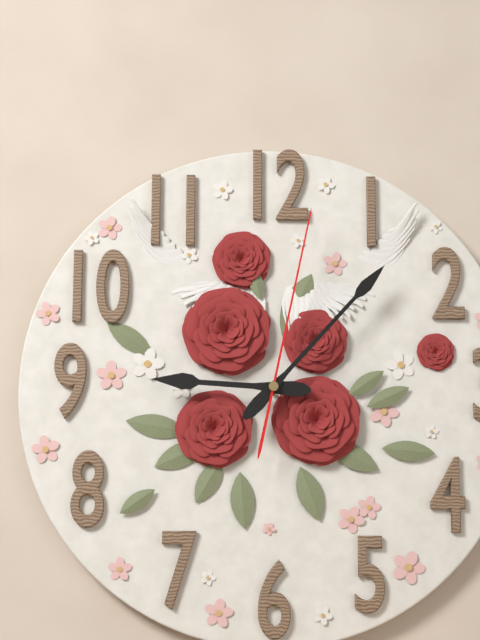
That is **9:07:02**
